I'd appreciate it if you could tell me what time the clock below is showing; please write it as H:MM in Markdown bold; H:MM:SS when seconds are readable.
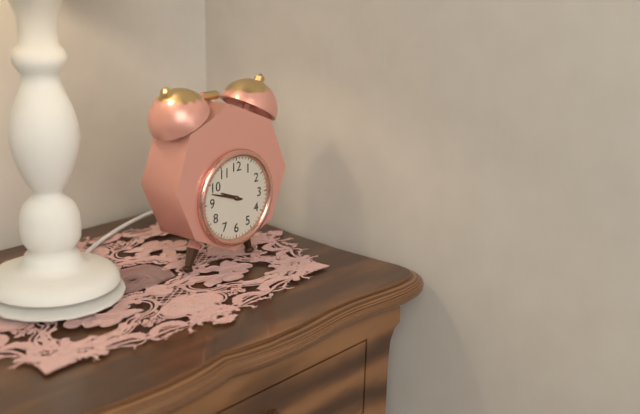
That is **9:48**
